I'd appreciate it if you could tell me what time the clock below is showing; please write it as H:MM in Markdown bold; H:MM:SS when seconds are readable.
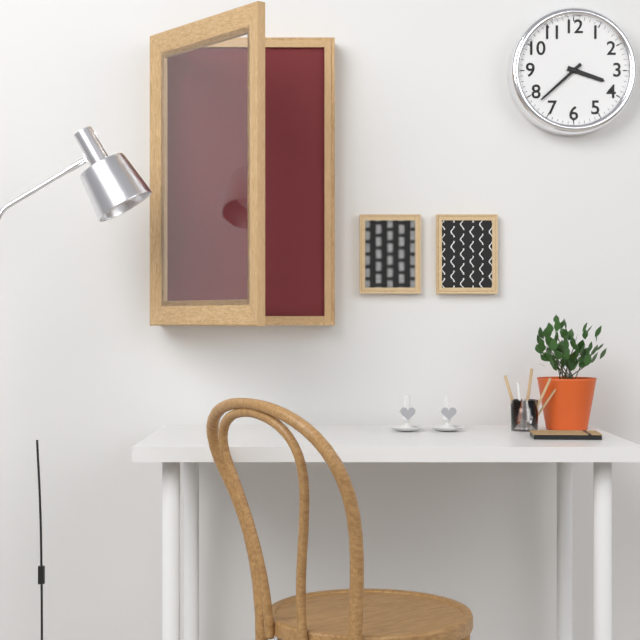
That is **3:38**
